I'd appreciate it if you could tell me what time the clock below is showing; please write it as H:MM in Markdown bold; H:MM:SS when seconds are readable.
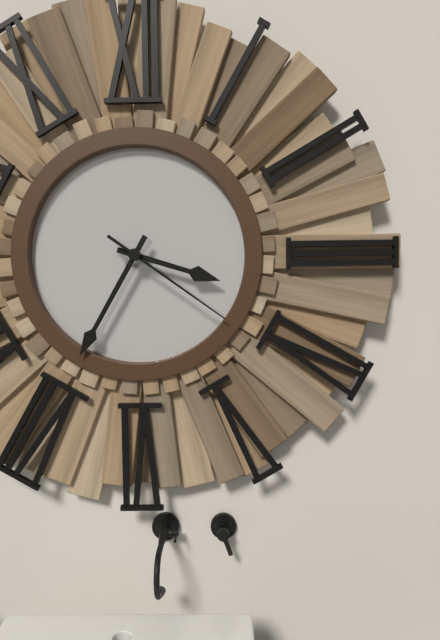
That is **3:35:21**
